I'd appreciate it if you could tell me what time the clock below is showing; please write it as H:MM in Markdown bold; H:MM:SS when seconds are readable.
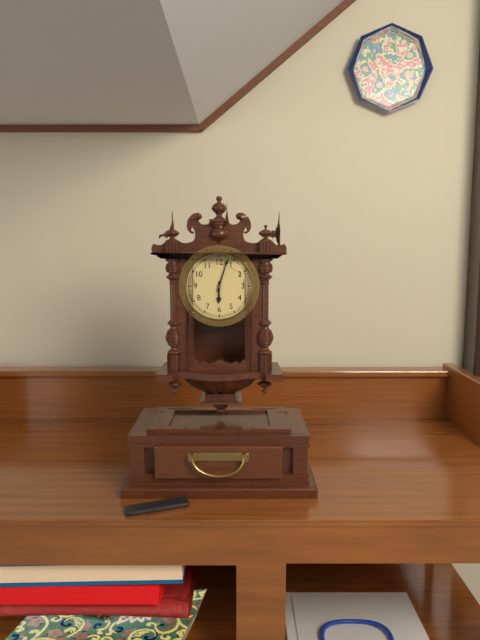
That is **6:03**
